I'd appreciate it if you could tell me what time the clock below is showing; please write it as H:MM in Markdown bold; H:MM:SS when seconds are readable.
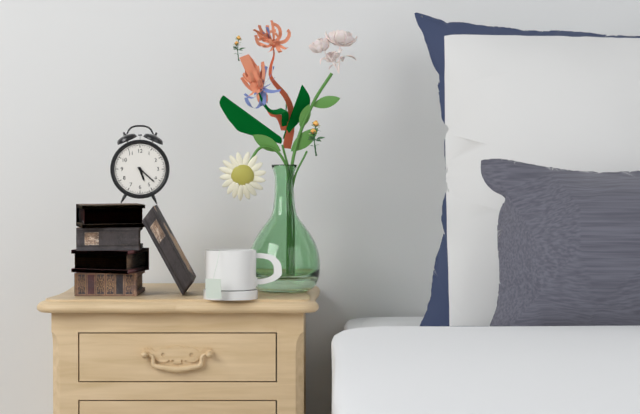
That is **5:22**
